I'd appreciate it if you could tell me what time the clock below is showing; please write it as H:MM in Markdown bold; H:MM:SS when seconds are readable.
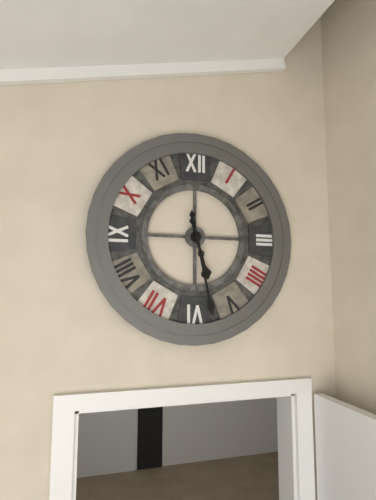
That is **5:28**
